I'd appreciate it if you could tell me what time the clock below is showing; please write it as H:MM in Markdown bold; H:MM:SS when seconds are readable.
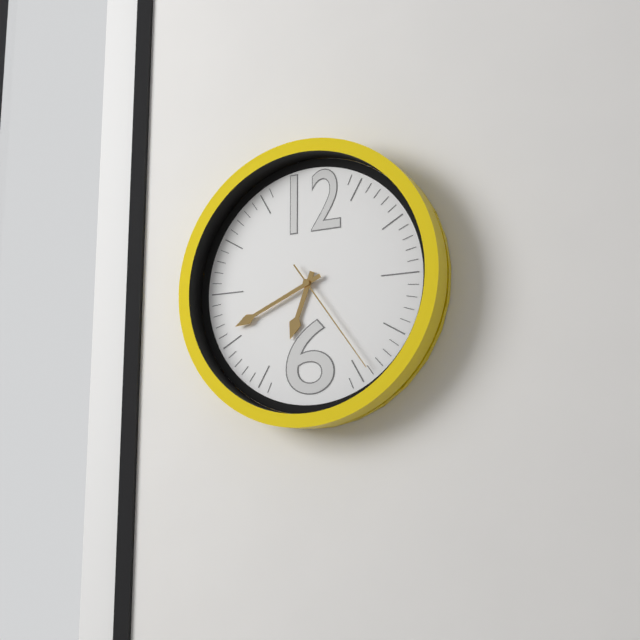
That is **6:41:24**
